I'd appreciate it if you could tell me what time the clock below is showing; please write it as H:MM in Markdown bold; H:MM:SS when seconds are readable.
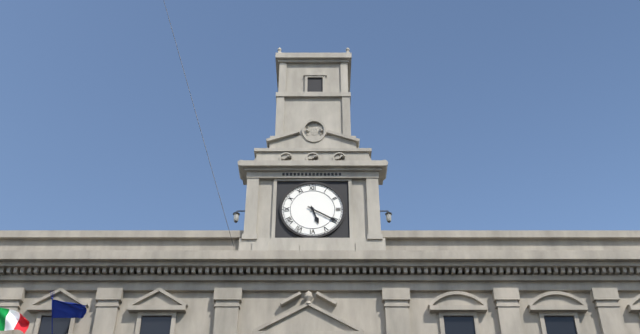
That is **5:20**
